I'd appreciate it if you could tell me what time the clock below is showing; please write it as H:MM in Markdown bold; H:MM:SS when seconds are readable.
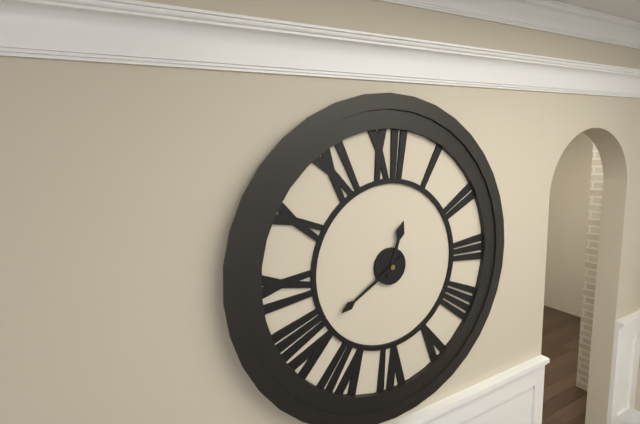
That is **12:40**
